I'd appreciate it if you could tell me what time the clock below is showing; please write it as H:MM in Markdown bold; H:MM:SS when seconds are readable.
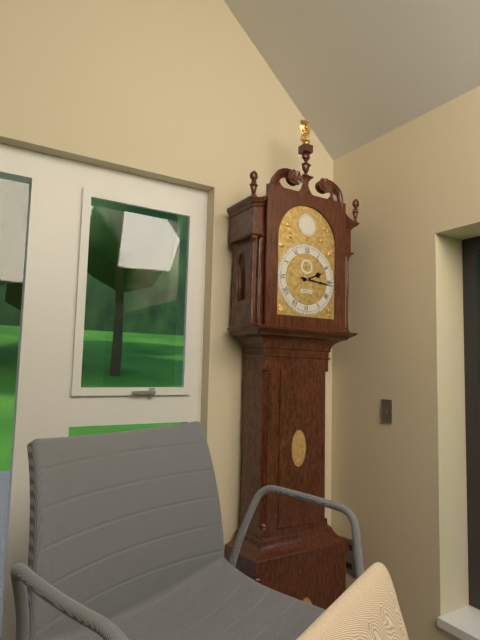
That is **2:16**
